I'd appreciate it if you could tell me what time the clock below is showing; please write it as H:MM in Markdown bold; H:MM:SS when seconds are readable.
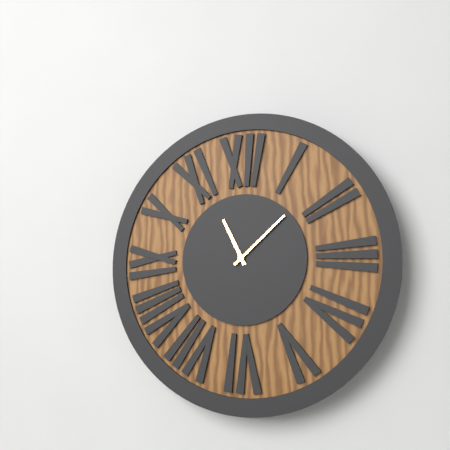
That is **11:08**
